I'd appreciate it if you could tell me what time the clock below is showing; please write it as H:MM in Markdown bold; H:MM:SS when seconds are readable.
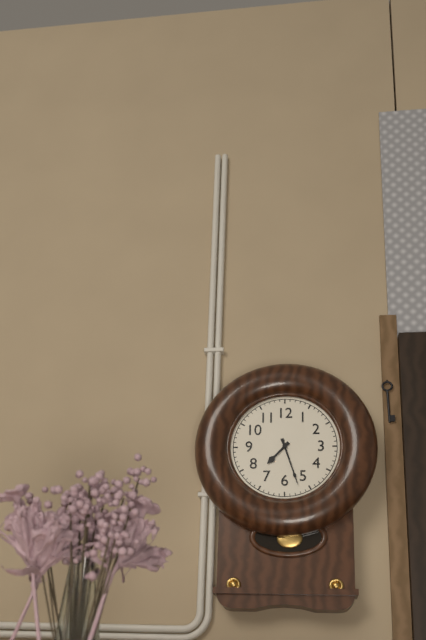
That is **7:27**
